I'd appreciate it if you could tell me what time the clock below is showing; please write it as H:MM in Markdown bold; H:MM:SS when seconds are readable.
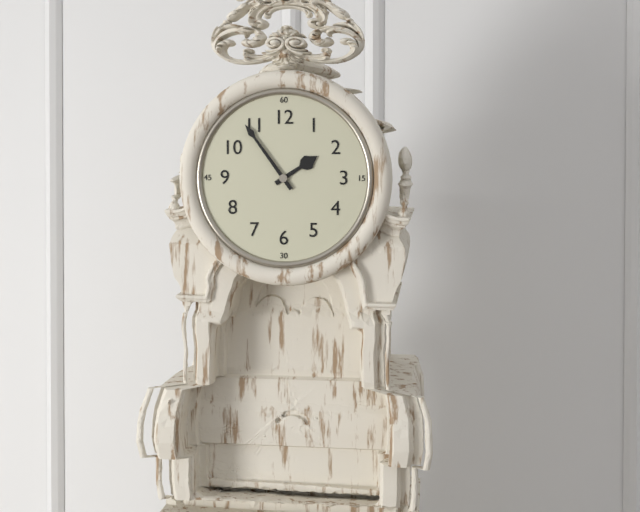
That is **1:54**
